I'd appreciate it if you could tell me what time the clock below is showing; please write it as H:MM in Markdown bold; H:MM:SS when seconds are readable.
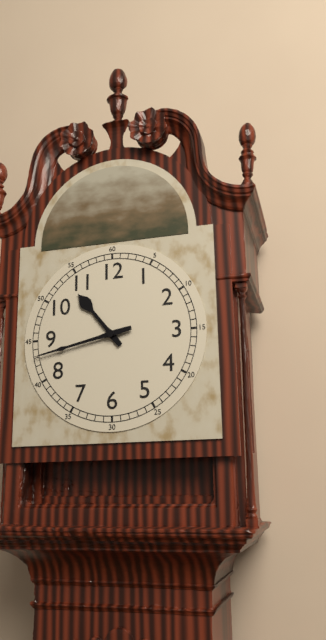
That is **10:43**
